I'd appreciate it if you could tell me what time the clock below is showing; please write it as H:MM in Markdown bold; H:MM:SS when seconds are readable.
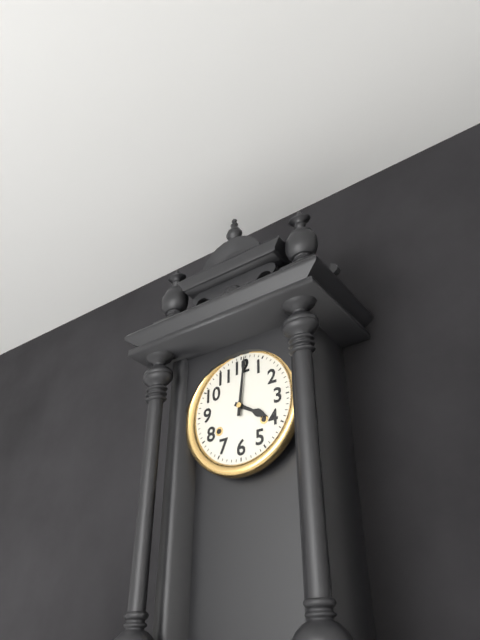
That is **4:01**
